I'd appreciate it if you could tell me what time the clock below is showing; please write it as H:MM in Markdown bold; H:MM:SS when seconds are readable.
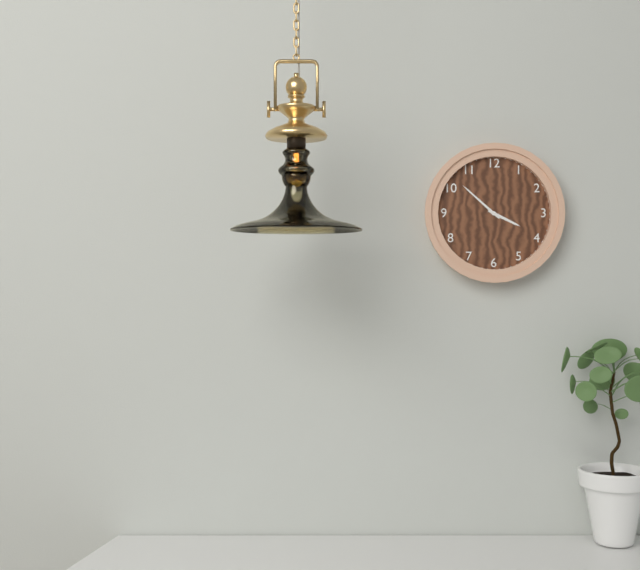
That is **3:52**
